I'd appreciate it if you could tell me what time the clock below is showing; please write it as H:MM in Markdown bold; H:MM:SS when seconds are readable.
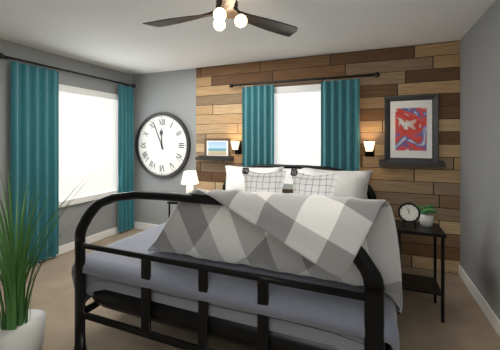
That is **11:56**
